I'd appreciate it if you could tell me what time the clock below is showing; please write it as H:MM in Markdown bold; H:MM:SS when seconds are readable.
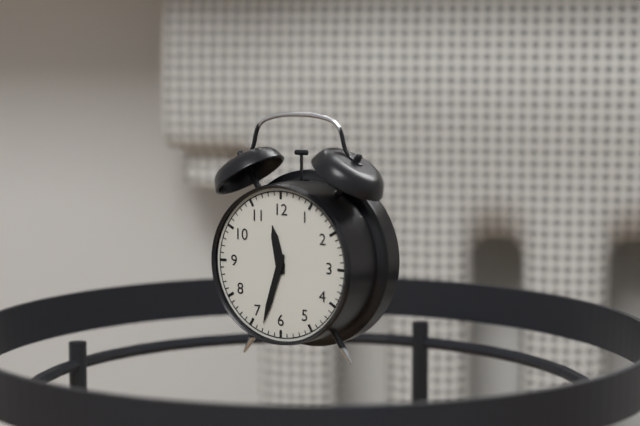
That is **11:33**
